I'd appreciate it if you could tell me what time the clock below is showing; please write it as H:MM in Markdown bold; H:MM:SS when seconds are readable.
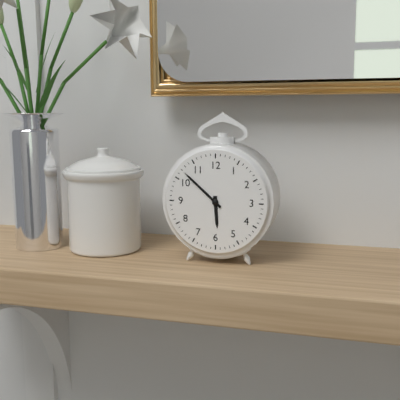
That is **5:52**
